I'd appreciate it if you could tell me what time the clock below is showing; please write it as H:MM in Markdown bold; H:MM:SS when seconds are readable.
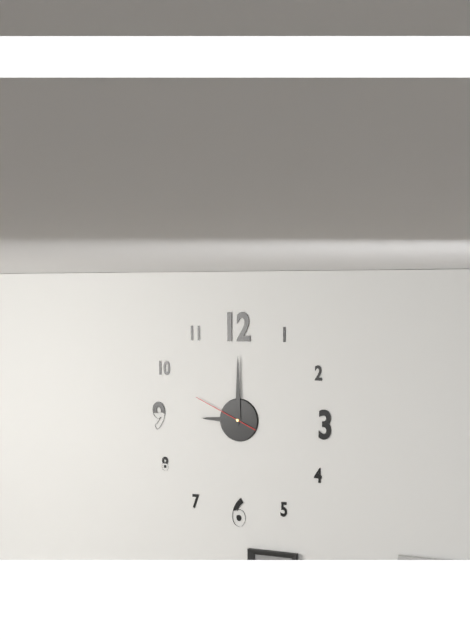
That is **9:00:49**
